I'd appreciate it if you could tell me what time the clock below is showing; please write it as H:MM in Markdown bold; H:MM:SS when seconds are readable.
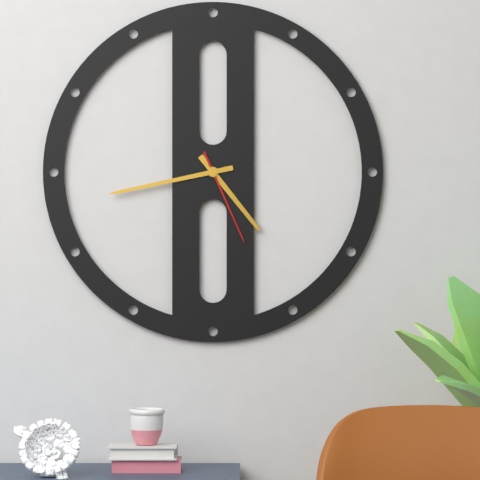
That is **4:43:26**
